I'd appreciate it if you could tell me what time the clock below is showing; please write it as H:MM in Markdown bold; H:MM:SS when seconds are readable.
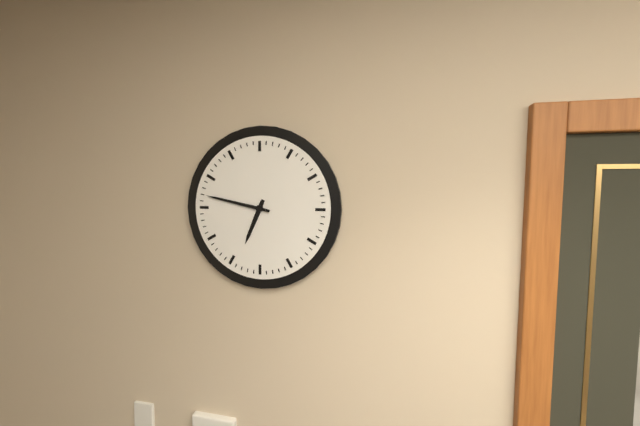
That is **6:47**
